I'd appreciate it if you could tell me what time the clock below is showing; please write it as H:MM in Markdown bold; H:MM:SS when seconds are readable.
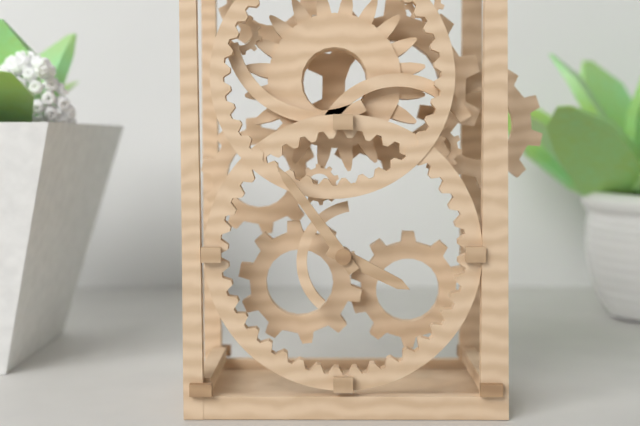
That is **3:54**
